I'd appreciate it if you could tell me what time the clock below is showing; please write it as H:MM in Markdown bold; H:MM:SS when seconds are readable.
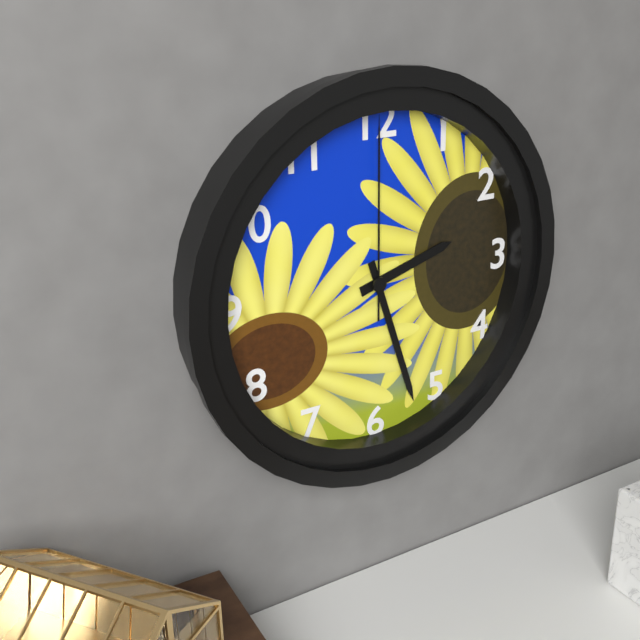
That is **2:27:00**
